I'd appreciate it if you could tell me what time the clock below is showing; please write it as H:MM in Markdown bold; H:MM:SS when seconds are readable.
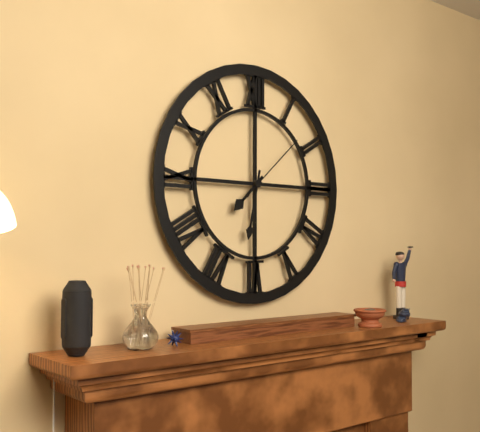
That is **7:32:08**
